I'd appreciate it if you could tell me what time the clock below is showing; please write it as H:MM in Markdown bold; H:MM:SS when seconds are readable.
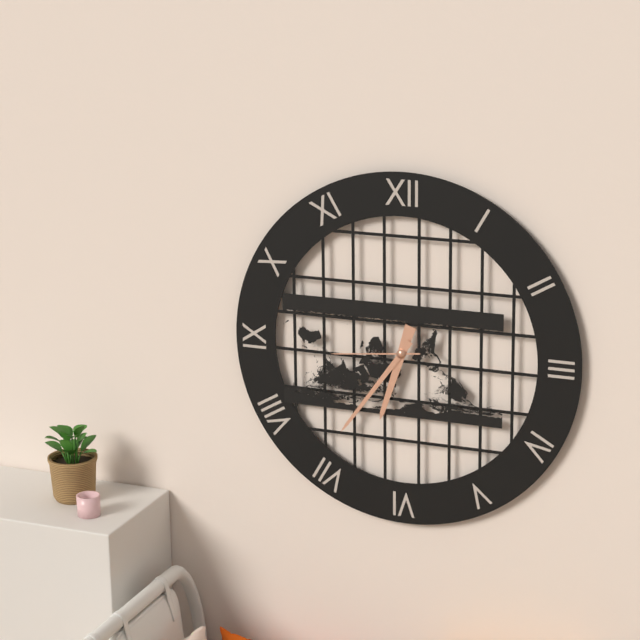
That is **6:36:44**
